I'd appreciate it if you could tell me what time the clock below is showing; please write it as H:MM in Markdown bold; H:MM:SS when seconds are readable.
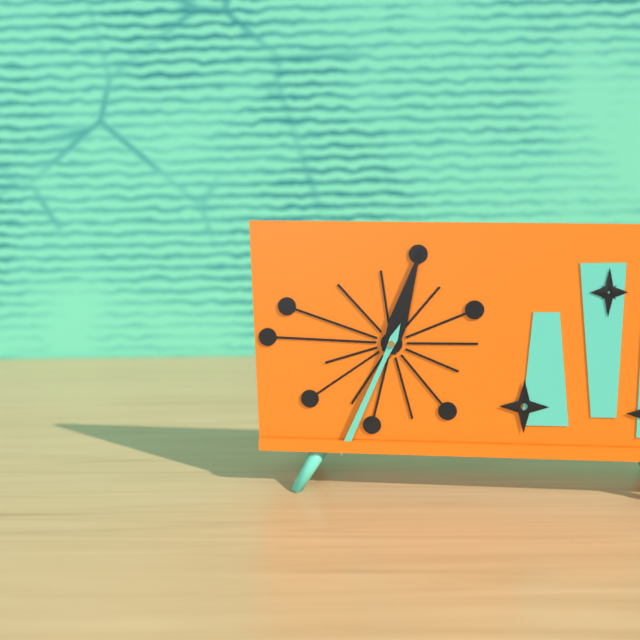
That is **12:34**
